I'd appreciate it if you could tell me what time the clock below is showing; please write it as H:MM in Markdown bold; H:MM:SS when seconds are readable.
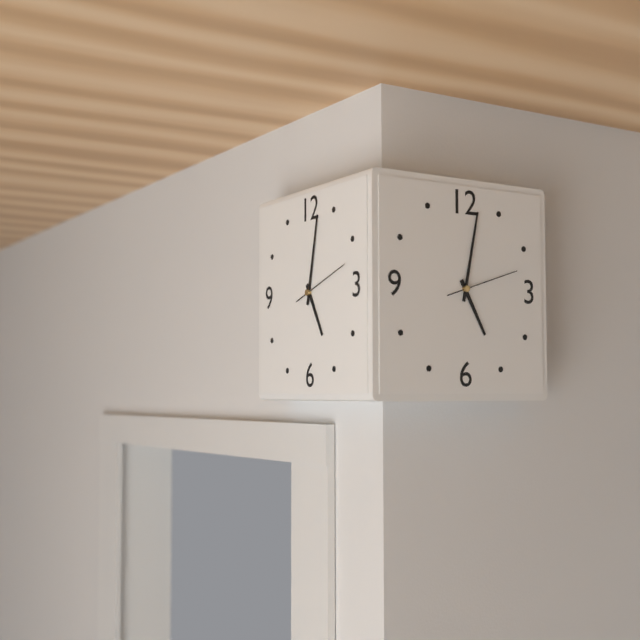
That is **5:02:12**
